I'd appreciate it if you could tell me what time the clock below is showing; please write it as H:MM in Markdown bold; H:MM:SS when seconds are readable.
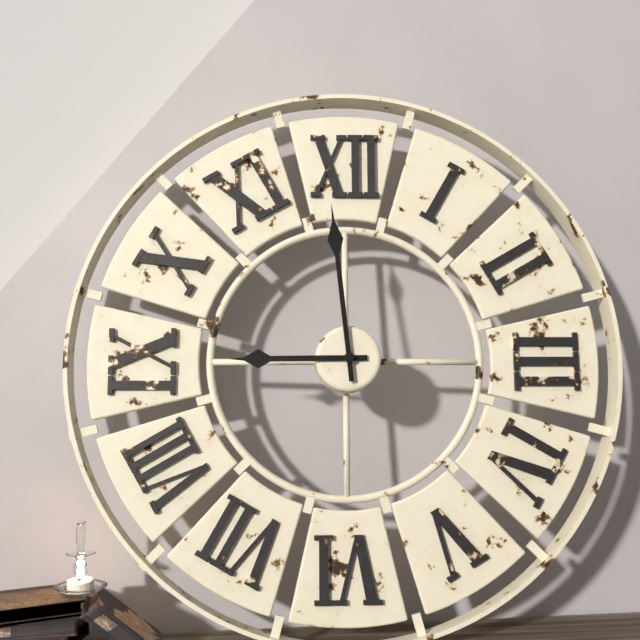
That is **8:59**
